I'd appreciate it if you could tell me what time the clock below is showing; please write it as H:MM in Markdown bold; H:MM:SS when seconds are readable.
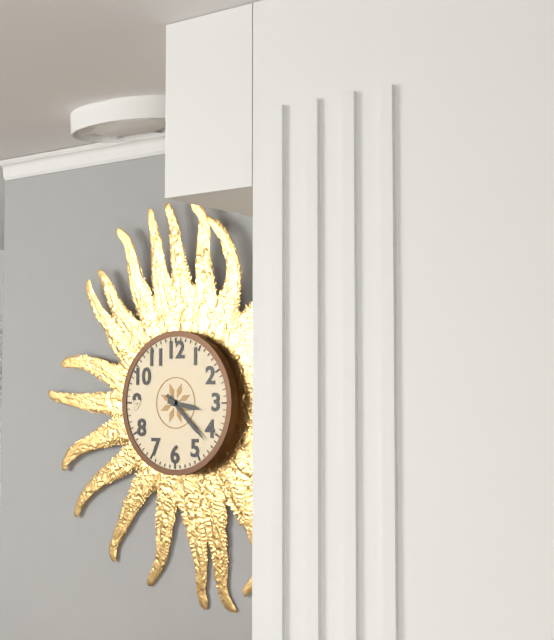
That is **3:22**
